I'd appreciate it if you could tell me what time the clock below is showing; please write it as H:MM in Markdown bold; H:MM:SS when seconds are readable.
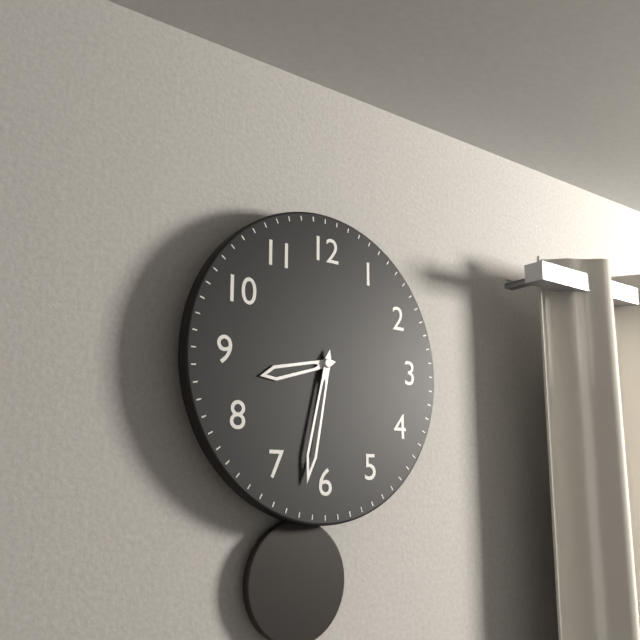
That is **8:32**
